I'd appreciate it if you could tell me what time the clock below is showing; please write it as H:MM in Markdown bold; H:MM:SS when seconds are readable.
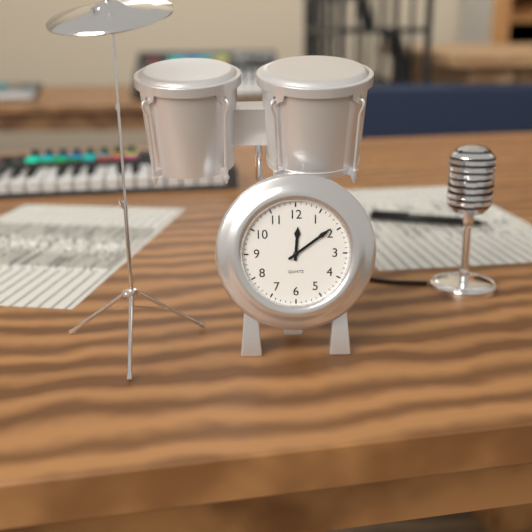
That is **12:09**
